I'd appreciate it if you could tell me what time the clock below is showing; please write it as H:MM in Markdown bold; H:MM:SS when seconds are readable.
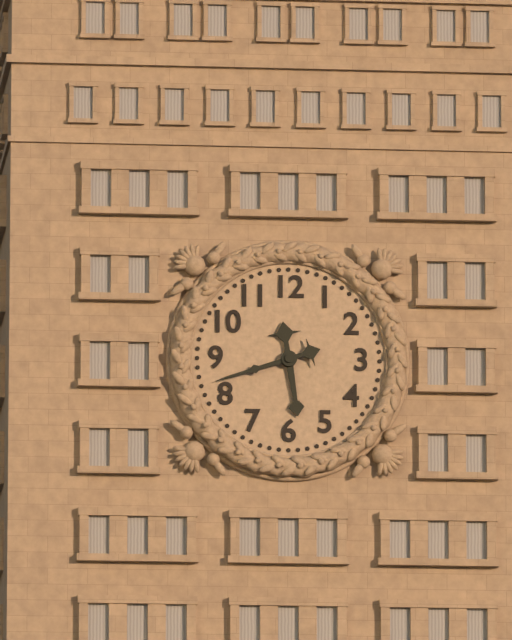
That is **5:42**
